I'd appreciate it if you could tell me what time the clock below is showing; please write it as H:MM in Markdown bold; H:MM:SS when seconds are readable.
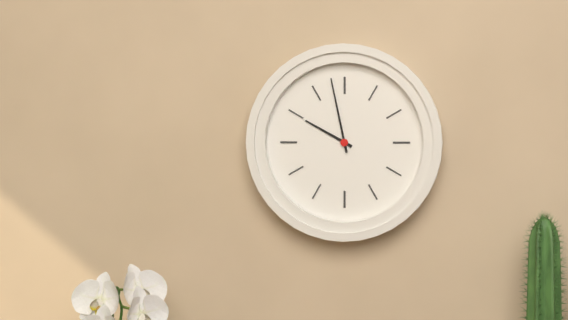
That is **9:58**
